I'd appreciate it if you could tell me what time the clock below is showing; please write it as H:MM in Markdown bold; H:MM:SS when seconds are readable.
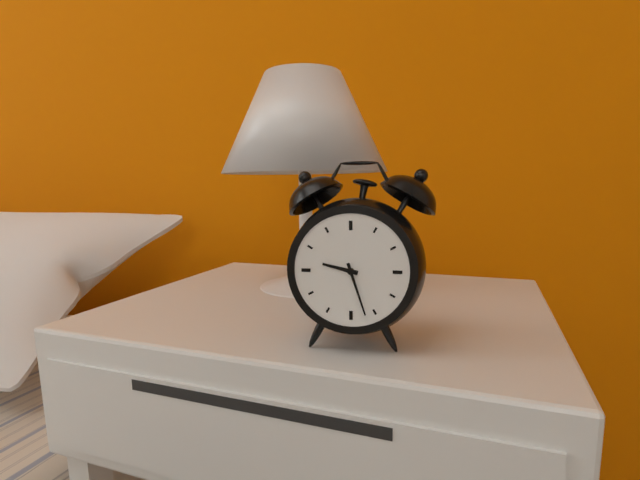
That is **9:27**
